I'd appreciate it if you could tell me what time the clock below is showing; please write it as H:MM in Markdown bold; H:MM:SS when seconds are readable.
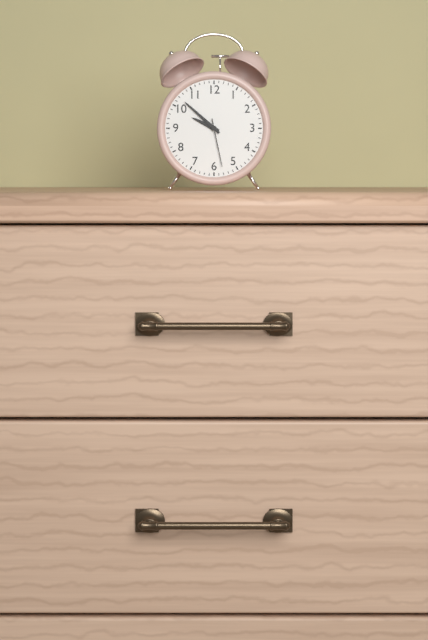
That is **9:52**
